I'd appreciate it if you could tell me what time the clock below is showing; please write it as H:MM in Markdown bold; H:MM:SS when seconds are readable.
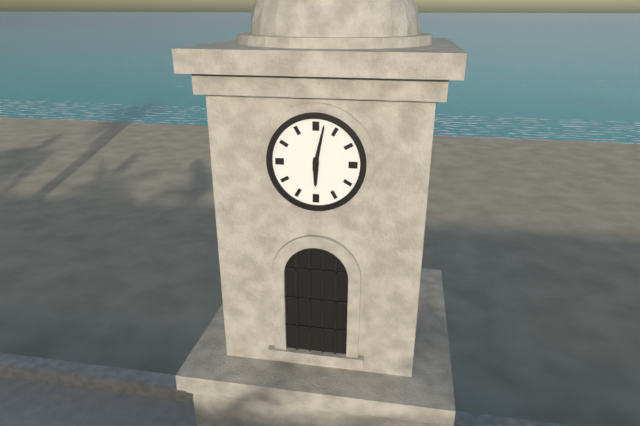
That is **6:02**
